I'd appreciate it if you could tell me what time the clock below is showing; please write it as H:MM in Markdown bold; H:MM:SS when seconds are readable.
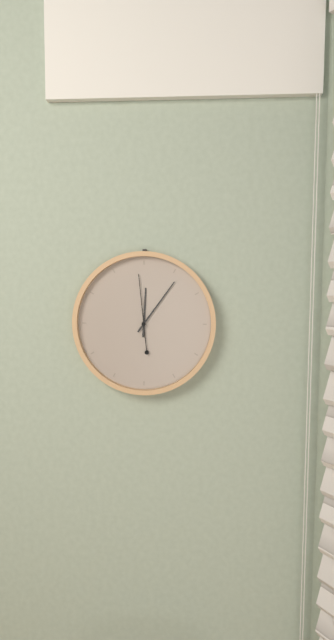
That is **12:06:59**
